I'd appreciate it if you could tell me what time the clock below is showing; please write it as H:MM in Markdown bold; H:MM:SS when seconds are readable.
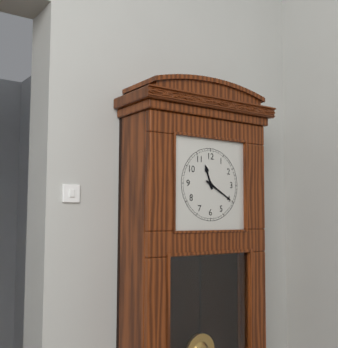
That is **11:20**
